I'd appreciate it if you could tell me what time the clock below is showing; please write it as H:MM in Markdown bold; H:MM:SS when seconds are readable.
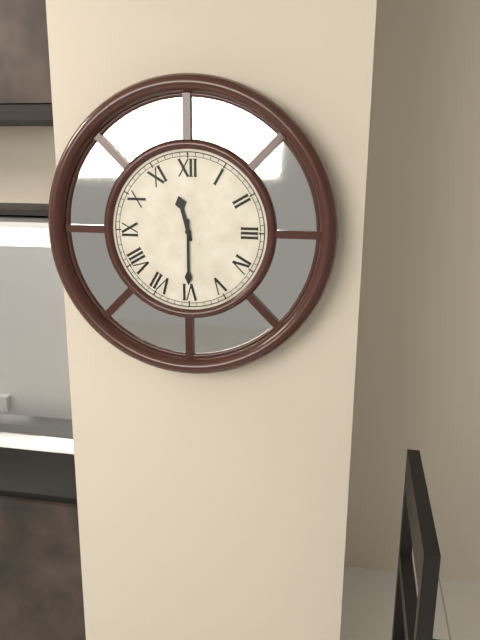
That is **11:30**
